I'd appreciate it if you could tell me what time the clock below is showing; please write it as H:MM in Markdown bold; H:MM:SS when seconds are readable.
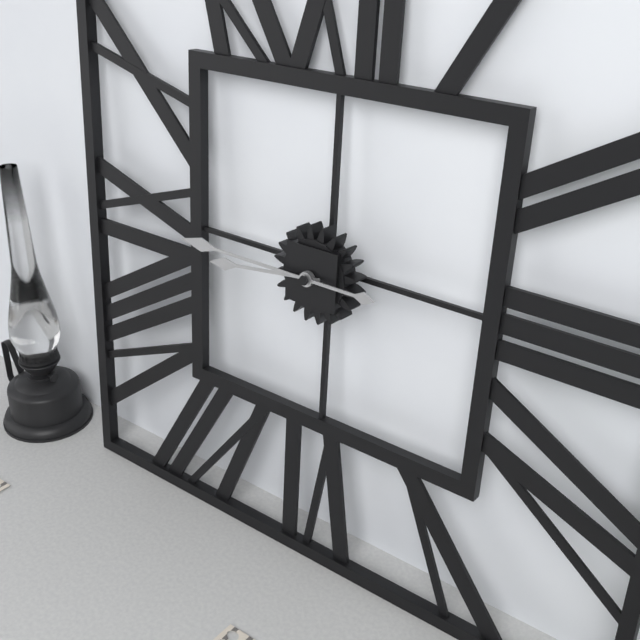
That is **8:45**
